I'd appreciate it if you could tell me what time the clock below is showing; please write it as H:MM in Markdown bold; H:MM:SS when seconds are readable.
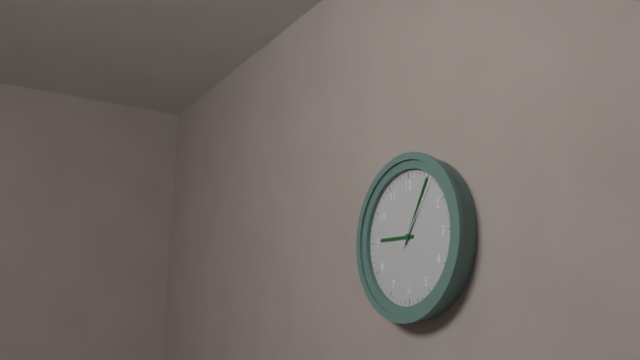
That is **9:05:06**
